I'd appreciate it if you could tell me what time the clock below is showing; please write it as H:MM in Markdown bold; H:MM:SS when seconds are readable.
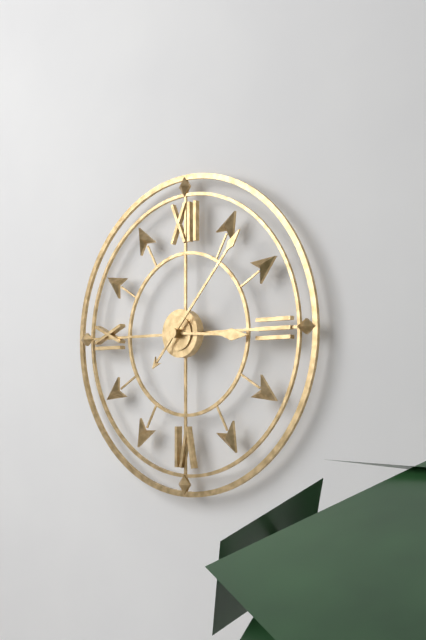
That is **3:07**
